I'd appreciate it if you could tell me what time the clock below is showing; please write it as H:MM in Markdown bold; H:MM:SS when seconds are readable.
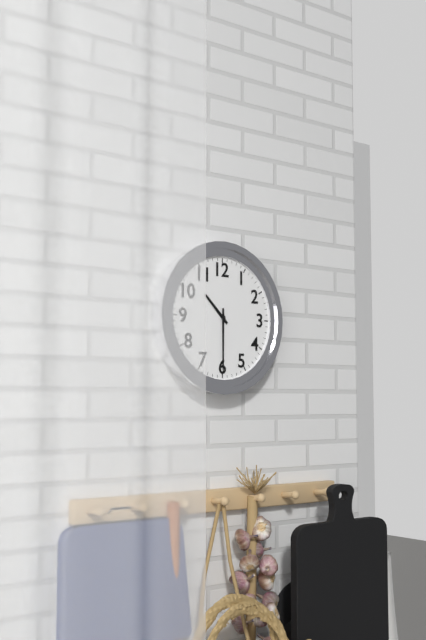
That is **10:30**
